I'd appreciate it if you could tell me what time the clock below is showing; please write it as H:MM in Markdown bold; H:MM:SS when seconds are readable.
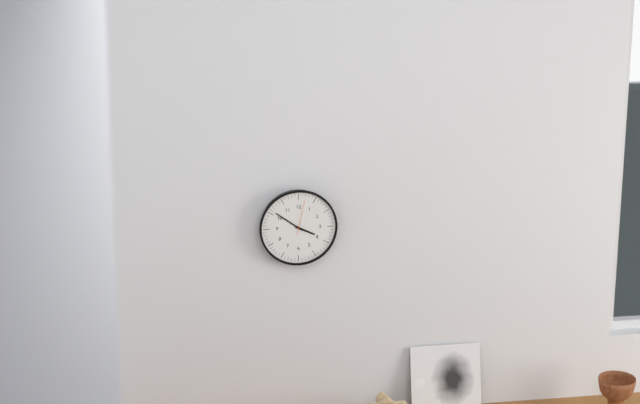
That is **3:51**
